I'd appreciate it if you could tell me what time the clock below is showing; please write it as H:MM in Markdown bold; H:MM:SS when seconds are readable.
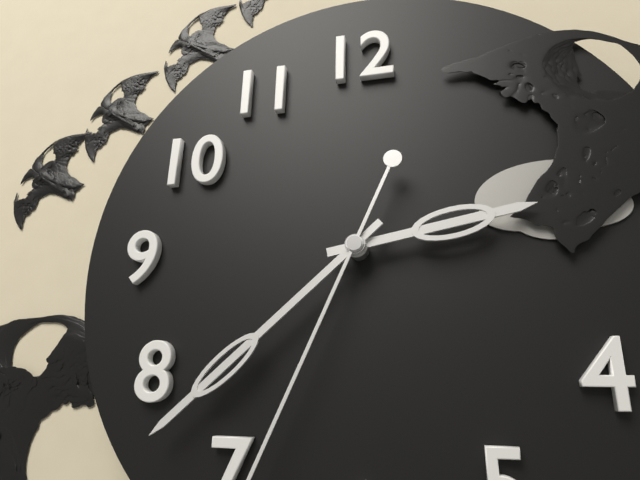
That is **2:38**
